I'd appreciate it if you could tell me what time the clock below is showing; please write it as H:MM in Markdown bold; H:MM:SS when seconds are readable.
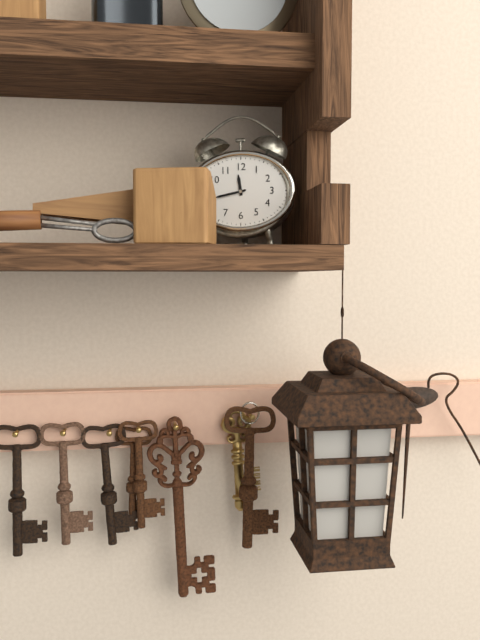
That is **11:43**
